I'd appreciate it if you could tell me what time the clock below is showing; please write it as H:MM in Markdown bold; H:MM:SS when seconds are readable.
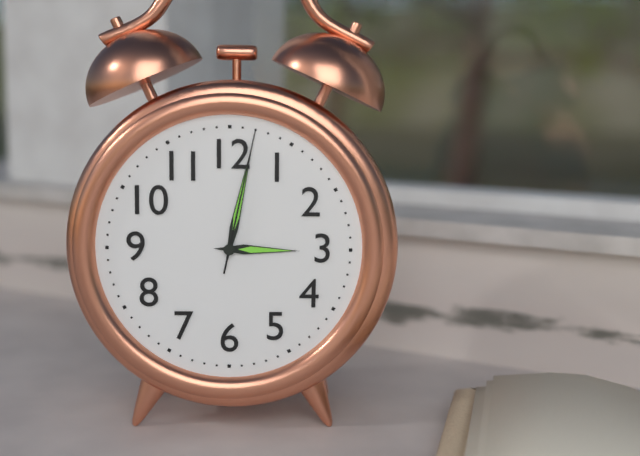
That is **3:02:02**
